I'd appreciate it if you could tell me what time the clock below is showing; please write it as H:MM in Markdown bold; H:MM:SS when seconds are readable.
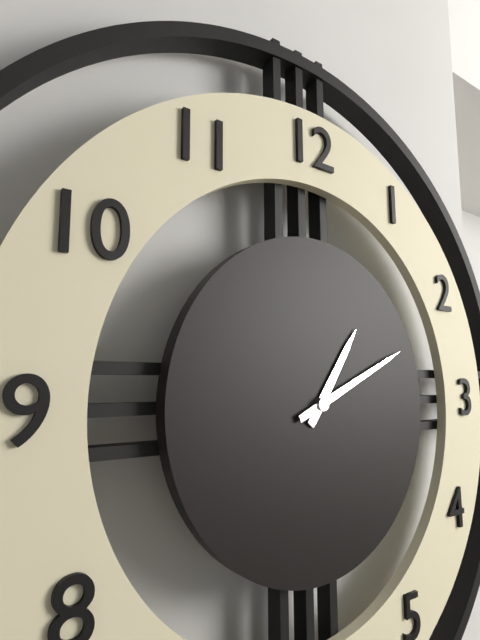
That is **1:11**
